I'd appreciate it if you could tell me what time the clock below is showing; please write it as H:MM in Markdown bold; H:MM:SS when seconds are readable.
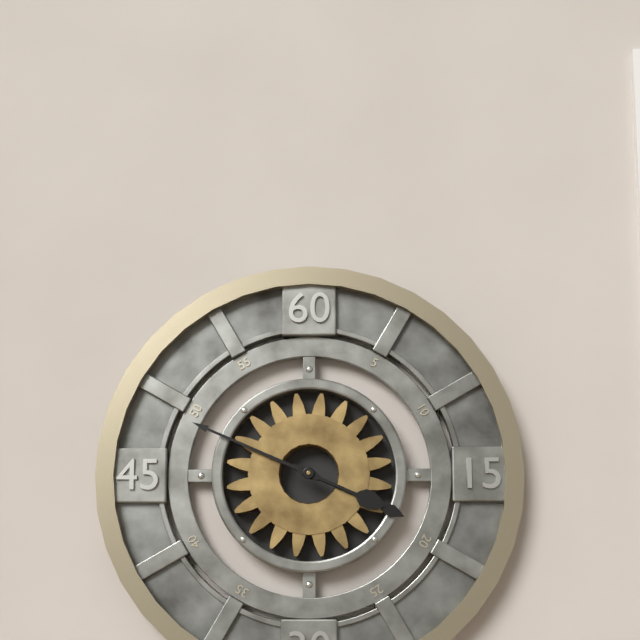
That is **3:49**
